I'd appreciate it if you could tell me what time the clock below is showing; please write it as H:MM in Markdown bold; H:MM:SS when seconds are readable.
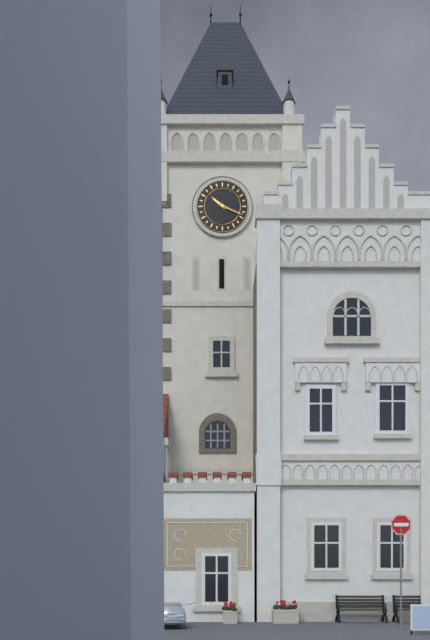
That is **10:19**
